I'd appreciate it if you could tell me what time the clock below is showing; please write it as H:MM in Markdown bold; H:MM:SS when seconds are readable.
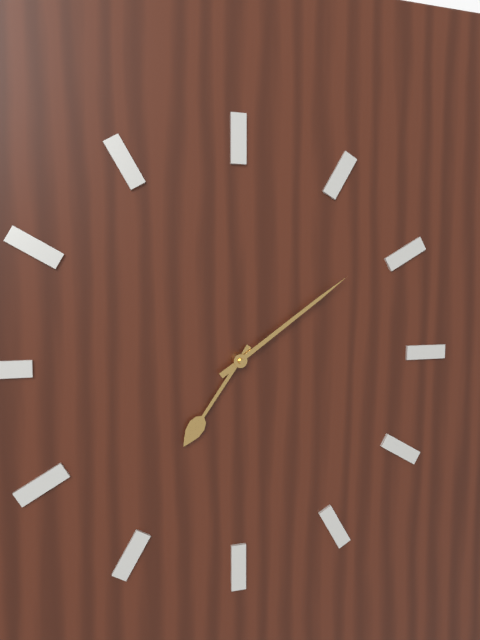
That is **7:09**
